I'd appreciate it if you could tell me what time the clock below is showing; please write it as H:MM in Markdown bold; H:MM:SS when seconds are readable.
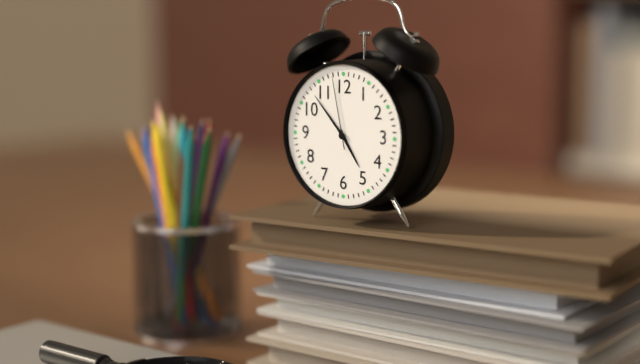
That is **4:53:58**
